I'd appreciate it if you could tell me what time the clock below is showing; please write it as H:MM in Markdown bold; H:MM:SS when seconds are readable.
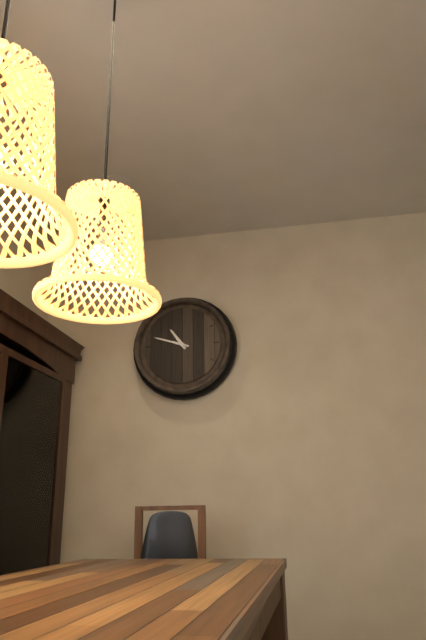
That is **10:48**
